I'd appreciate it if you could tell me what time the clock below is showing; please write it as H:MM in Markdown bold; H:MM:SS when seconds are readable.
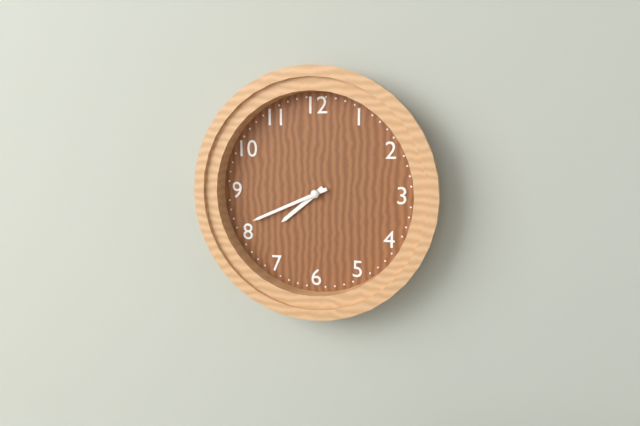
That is **7:41**
